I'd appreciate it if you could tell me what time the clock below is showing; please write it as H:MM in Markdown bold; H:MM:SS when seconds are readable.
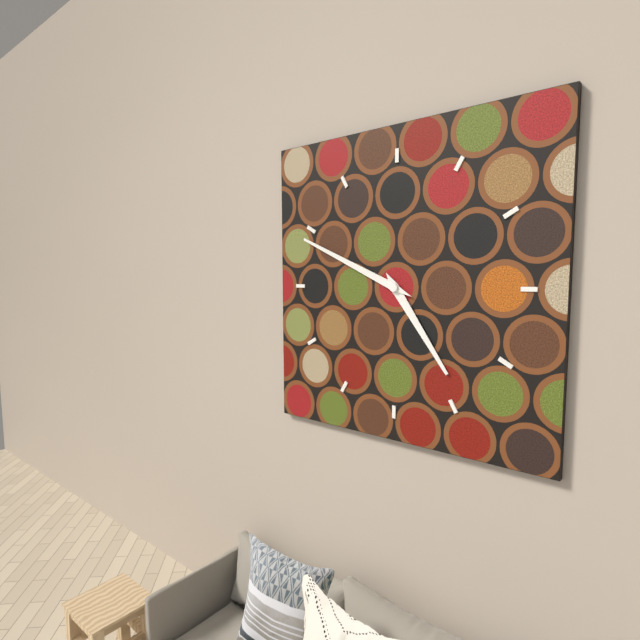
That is **4:49**
